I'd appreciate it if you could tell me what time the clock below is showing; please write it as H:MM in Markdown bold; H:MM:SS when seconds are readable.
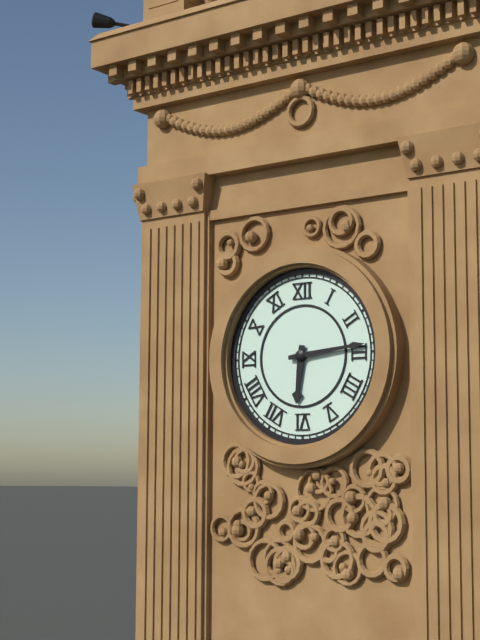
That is **6:14**
